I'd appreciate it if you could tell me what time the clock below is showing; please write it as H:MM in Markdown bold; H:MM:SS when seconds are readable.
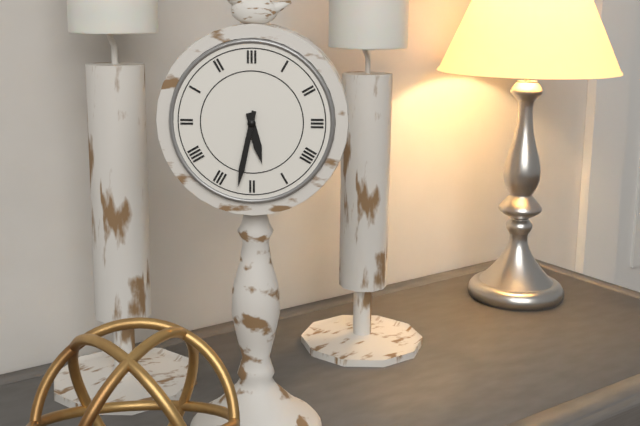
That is **5:32**
